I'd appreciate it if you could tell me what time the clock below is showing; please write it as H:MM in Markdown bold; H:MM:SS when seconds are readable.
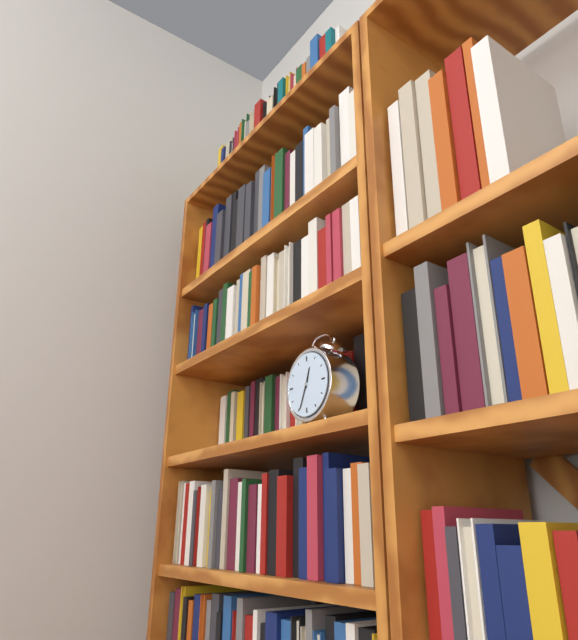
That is **12:34**
